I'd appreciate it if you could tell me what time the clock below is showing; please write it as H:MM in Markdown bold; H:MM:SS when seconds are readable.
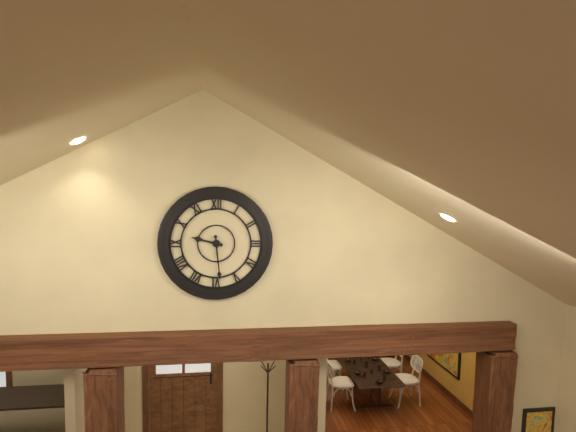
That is **9:29**
